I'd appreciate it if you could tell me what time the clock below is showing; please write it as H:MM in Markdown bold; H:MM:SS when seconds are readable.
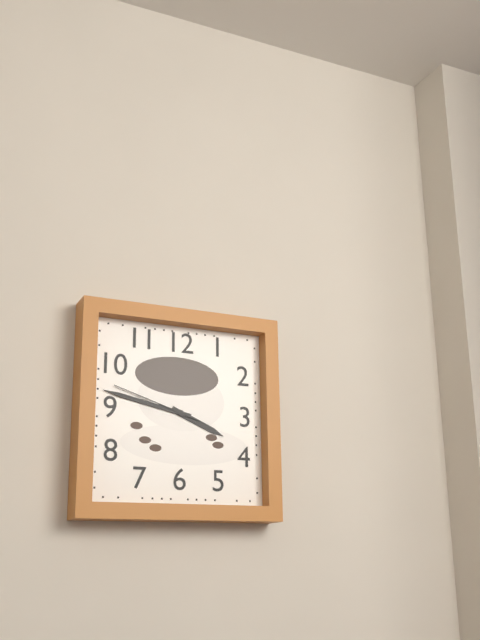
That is **3:47:48**
